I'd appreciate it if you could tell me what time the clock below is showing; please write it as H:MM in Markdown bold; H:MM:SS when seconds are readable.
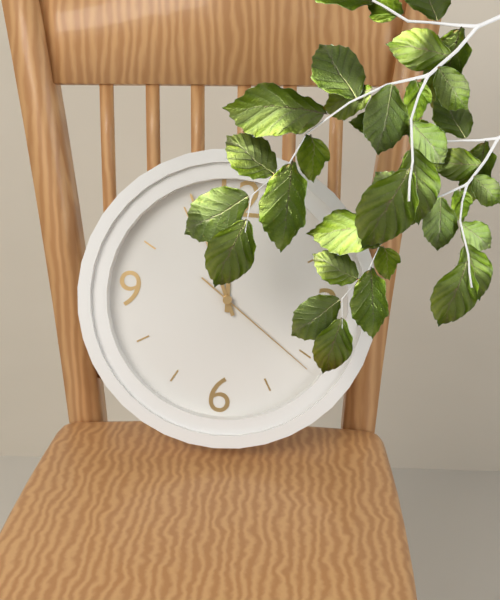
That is **11:56:21**
